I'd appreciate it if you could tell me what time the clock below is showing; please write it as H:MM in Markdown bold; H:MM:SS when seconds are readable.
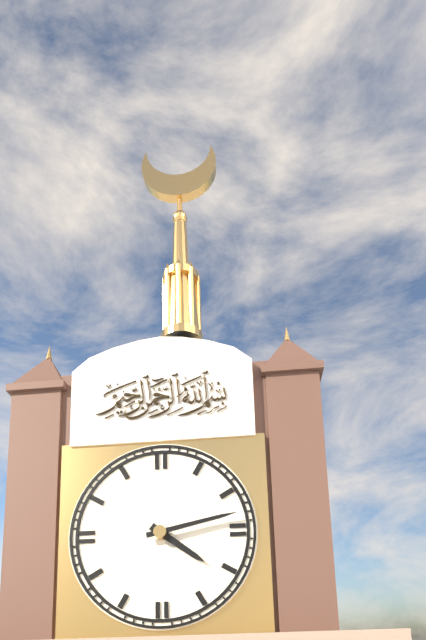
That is **4:13**
